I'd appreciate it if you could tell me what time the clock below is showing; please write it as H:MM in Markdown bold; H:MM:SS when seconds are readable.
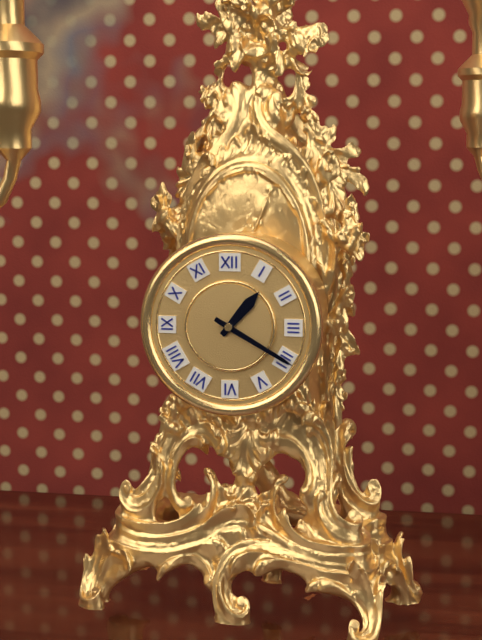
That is **1:20**
